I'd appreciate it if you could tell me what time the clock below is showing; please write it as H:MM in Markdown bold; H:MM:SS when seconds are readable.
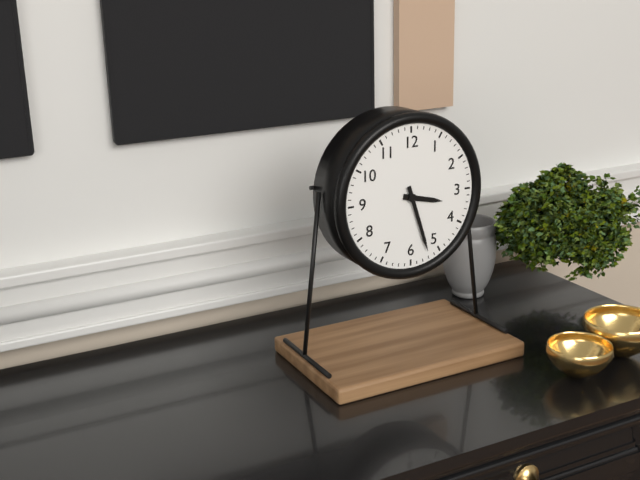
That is **3:27**
